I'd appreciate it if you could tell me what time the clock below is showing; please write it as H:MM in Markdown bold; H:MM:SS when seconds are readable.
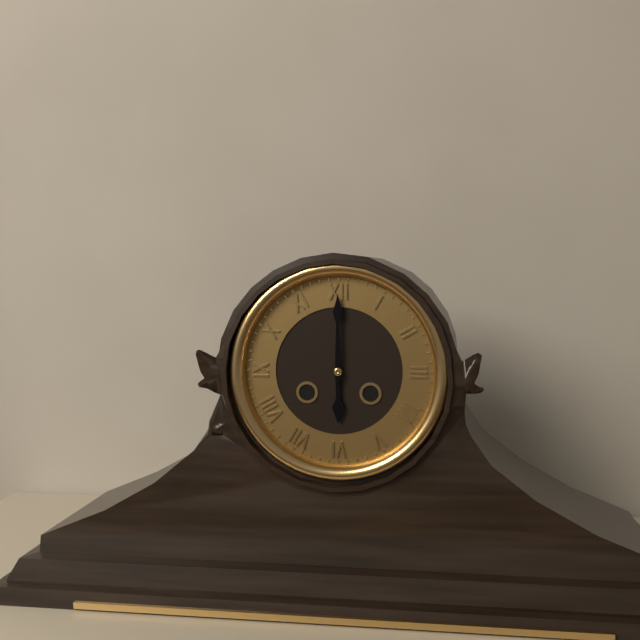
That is **6:00**
